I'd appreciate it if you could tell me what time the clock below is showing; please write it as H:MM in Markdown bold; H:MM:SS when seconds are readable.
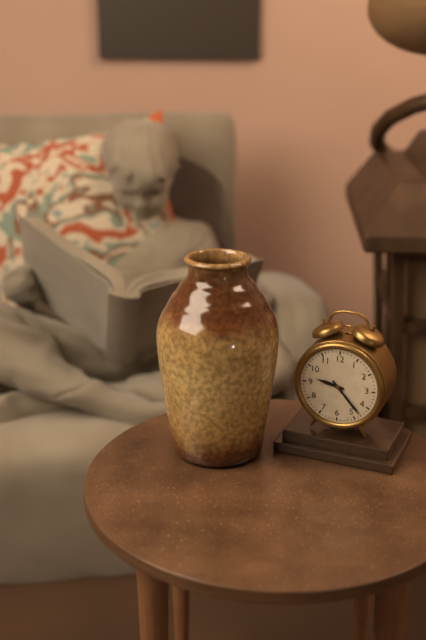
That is **9:23**
